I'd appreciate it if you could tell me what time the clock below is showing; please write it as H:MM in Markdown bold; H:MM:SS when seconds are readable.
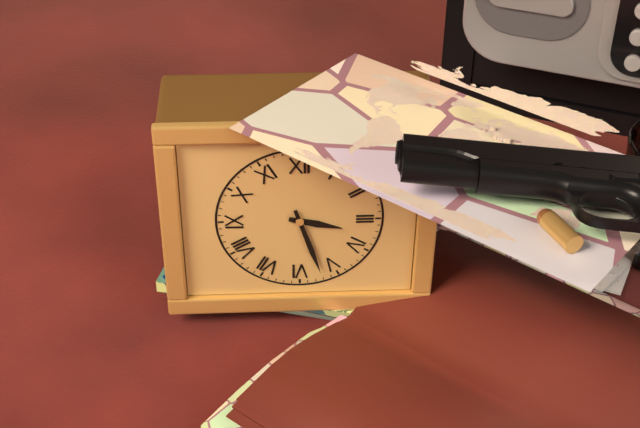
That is **3:27**
